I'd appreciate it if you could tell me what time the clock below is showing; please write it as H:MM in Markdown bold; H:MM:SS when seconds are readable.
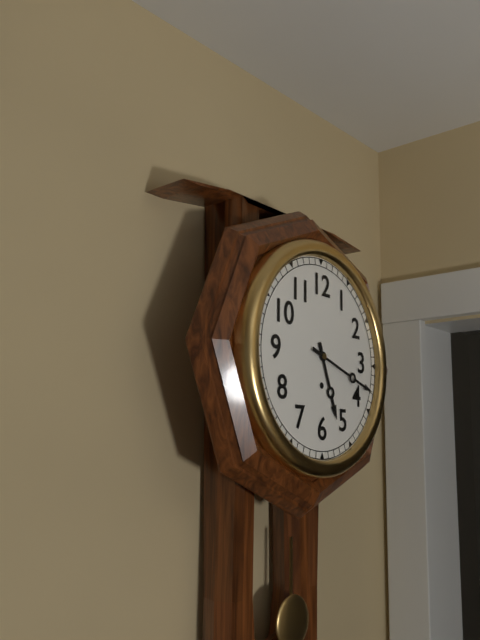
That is **5:18**
